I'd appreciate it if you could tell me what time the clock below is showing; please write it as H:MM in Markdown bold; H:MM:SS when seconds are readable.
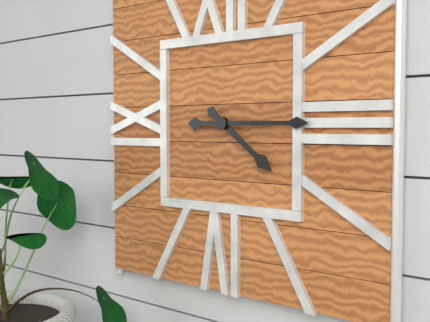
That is **4:15**
